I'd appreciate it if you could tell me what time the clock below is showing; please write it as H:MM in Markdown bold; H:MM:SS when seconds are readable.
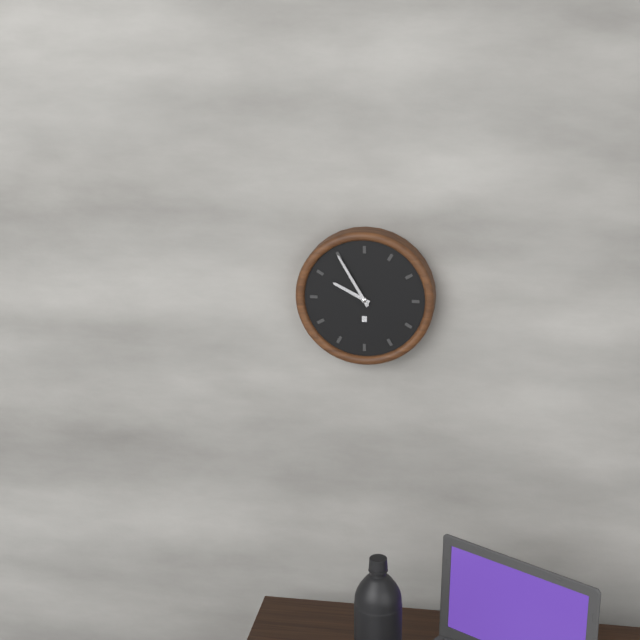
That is **9:55**
